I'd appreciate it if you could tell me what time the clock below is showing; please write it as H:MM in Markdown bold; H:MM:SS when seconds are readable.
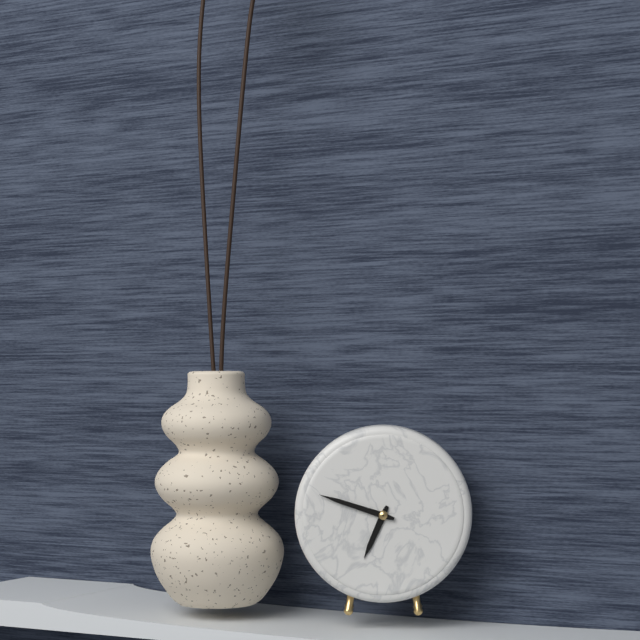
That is **6:48**
